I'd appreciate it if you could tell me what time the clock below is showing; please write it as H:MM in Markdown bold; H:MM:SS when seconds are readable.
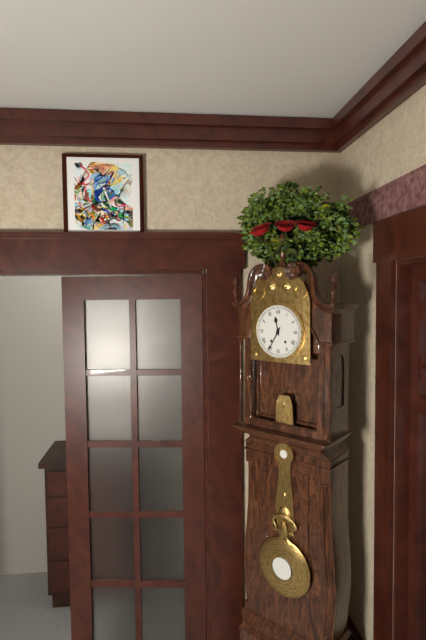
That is **11:35**
